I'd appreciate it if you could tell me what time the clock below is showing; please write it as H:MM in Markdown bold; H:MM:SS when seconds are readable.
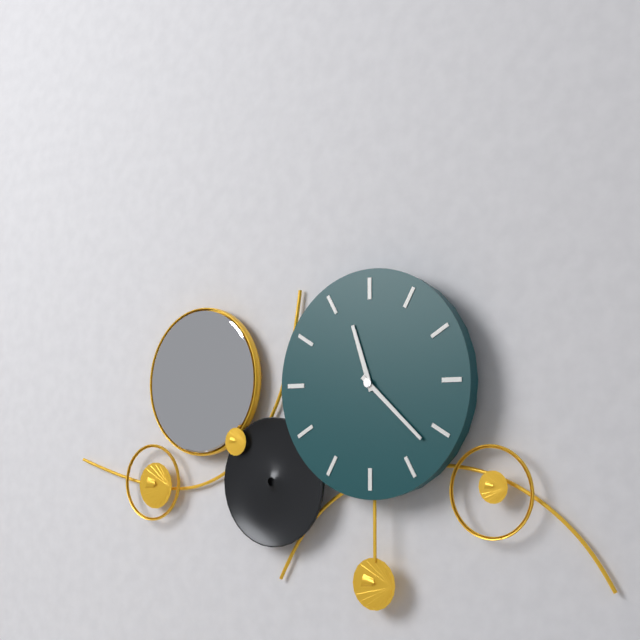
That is **11:22**
